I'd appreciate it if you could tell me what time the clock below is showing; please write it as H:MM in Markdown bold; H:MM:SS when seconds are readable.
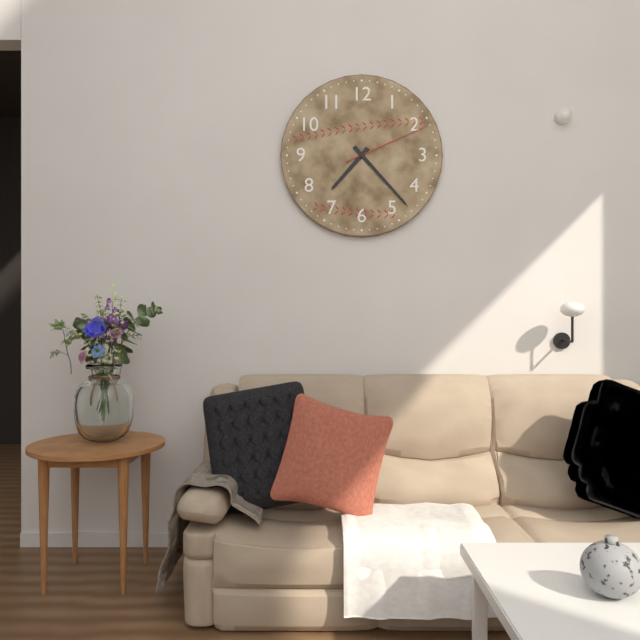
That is **7:23:11**
